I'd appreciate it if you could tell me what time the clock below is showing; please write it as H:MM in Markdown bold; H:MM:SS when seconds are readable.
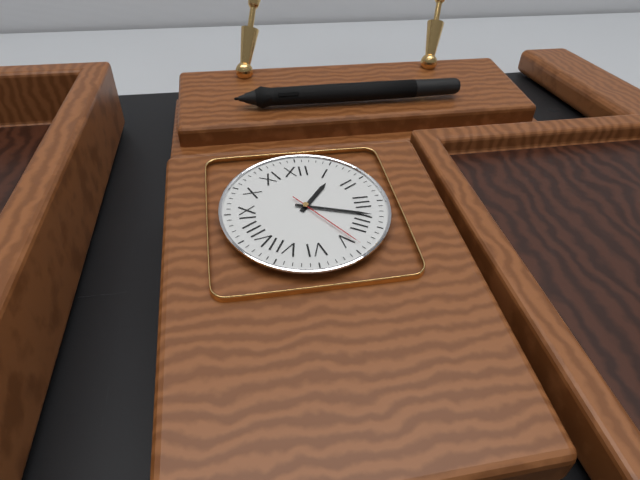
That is **1:18:24**
